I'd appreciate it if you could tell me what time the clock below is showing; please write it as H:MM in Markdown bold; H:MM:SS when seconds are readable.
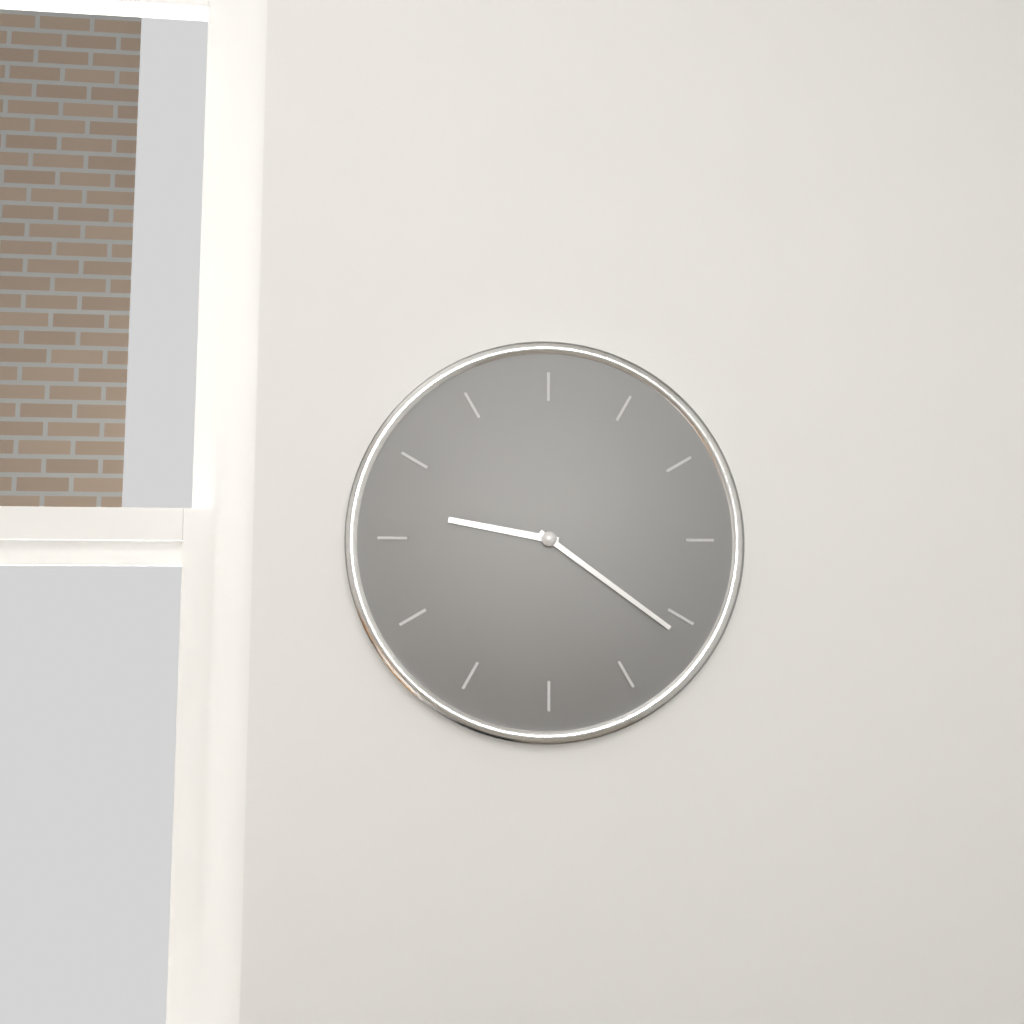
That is **9:21**
